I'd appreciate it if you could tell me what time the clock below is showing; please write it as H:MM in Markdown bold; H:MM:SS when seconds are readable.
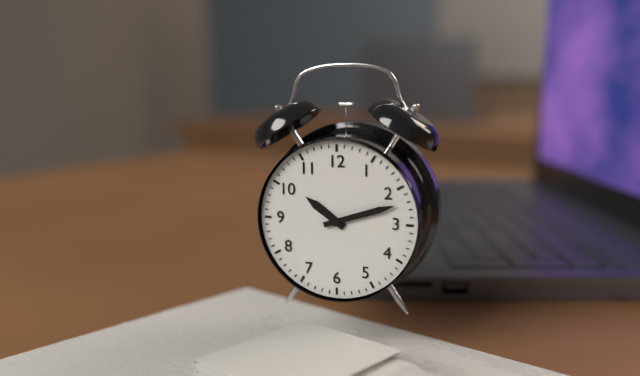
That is **10:12**
